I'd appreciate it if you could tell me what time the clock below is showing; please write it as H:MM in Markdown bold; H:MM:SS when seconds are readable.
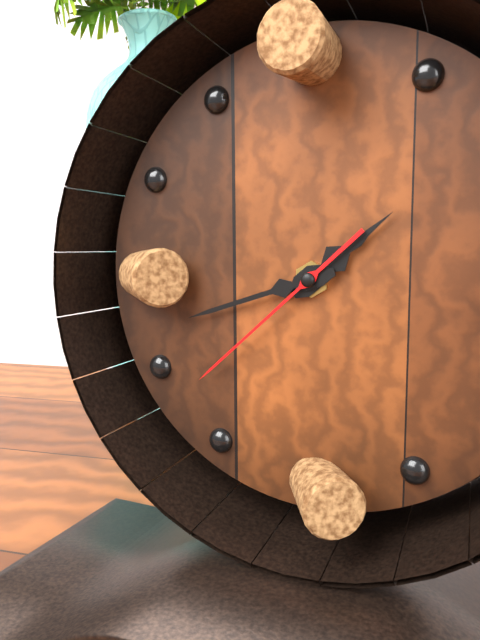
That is **1:42:38**
